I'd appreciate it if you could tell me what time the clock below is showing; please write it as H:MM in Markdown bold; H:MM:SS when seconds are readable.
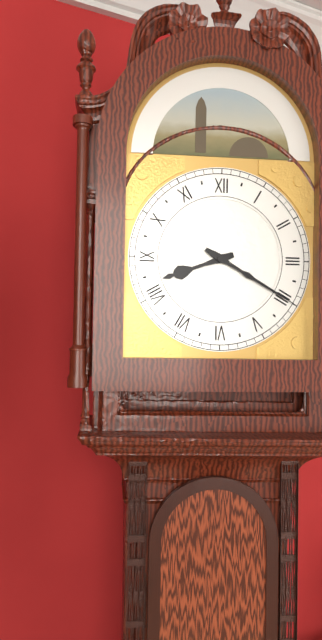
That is **8:20**
